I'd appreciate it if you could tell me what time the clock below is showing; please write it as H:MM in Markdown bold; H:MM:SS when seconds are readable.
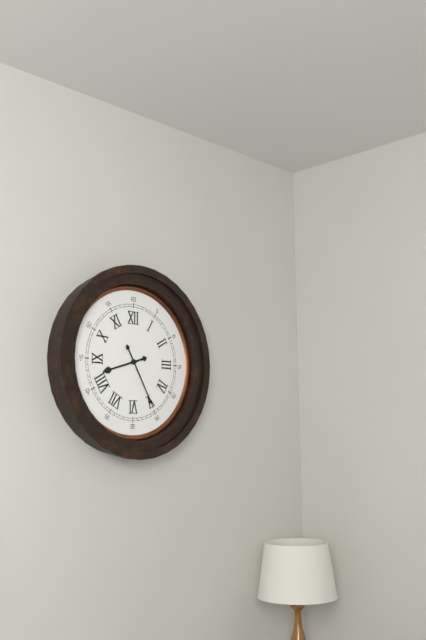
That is **8:25**
